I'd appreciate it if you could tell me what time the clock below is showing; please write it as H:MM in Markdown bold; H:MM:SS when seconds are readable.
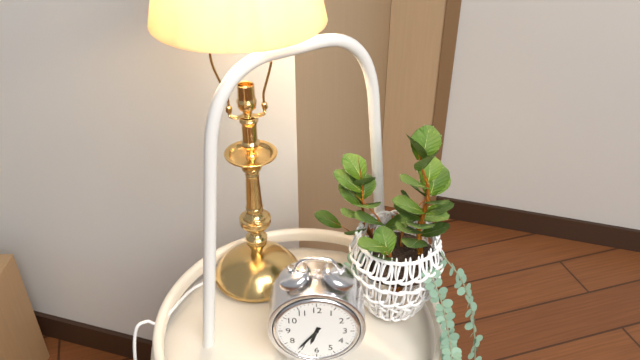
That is **6:36**
